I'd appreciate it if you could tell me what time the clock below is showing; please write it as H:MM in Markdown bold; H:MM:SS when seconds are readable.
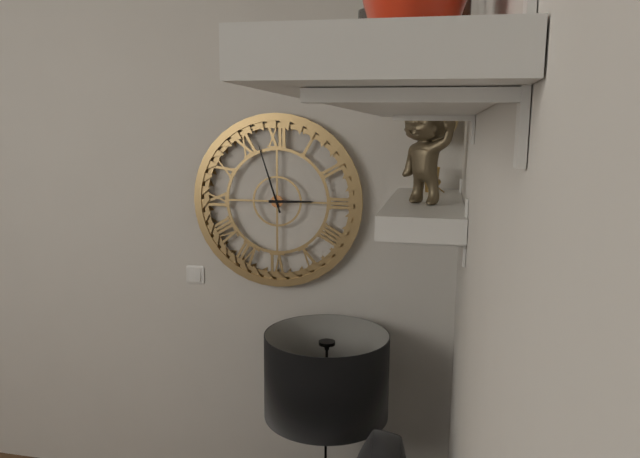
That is **2:57**
